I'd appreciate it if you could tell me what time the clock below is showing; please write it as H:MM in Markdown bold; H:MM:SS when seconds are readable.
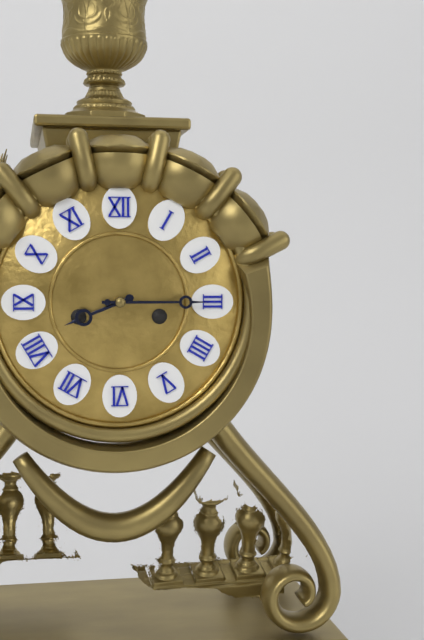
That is **8:15**
